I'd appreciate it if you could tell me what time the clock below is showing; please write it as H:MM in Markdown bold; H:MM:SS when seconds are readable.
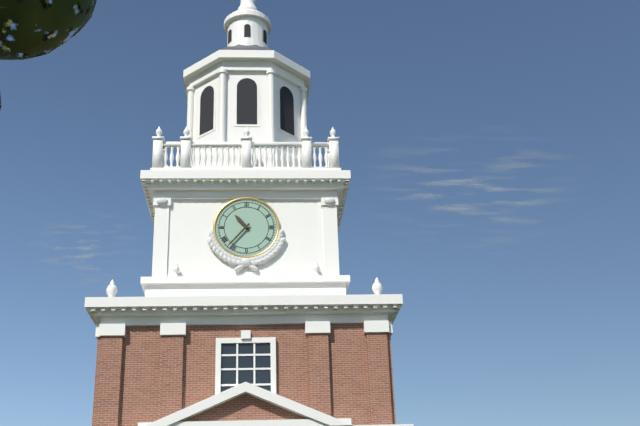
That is **10:37**
